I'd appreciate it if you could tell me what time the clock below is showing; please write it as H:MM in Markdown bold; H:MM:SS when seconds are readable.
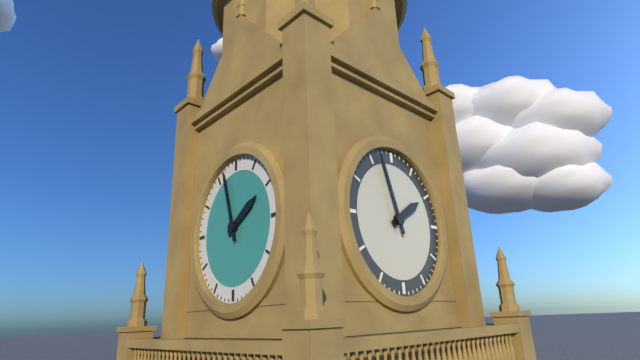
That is **1:57**
